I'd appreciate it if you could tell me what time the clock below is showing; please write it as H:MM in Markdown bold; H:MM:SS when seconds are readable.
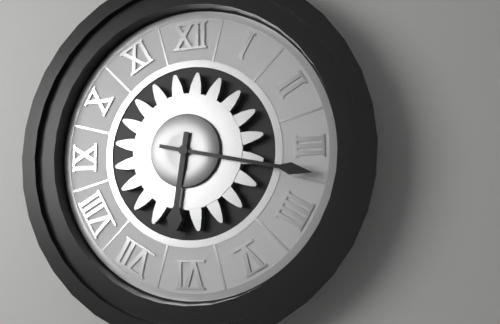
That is **6:17**
